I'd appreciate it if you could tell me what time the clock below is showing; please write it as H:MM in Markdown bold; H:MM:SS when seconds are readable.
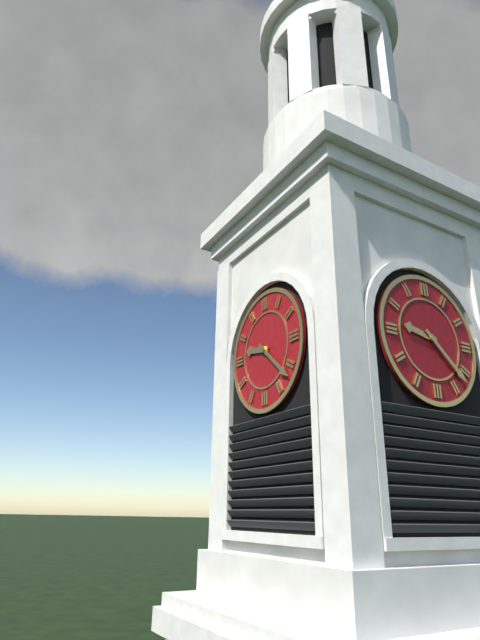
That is **9:22**
